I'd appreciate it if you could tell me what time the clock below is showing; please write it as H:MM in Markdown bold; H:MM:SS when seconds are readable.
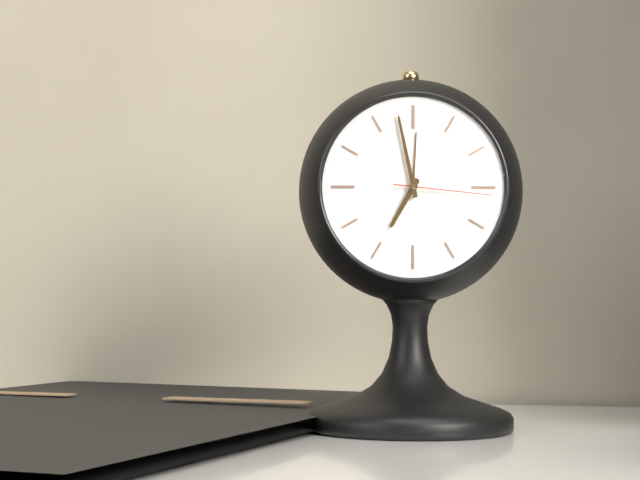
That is **6:58:16**
